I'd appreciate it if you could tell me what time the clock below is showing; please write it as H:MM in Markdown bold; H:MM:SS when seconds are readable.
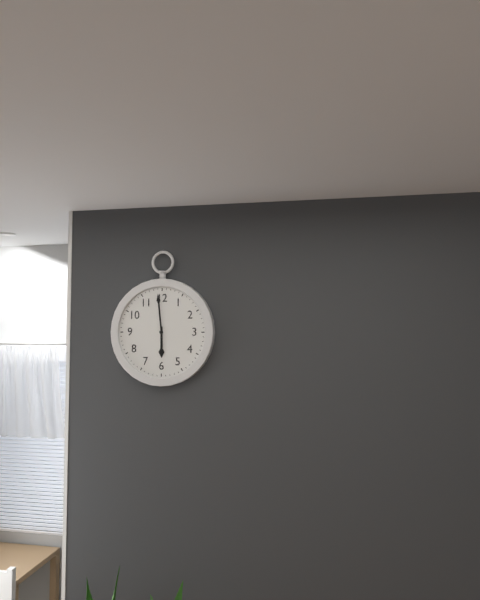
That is **5:59**
